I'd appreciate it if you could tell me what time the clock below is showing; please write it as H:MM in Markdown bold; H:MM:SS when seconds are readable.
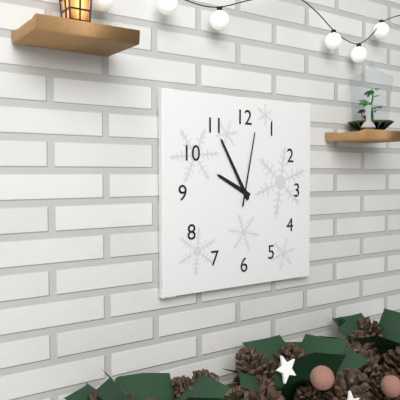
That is **9:55:02**
